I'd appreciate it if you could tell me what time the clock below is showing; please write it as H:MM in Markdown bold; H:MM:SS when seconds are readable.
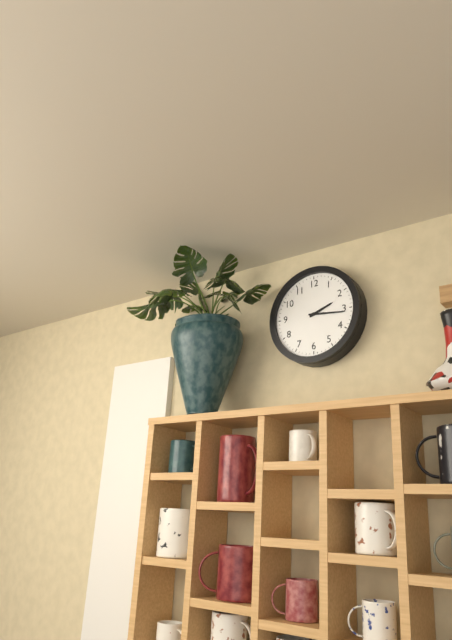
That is **2:16**
